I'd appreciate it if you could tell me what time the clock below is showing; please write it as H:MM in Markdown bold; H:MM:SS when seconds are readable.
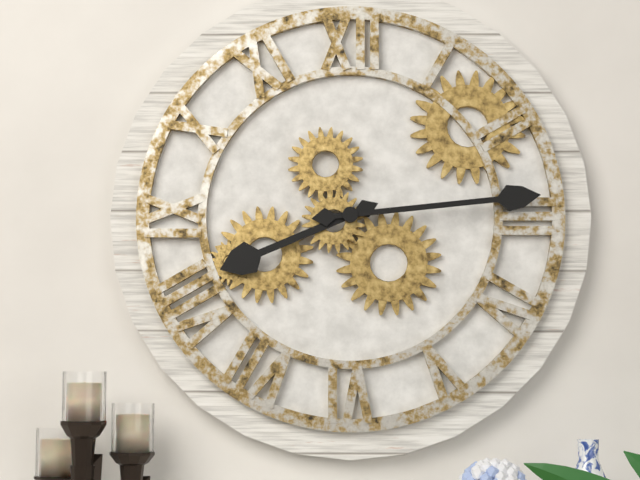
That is **8:14**
